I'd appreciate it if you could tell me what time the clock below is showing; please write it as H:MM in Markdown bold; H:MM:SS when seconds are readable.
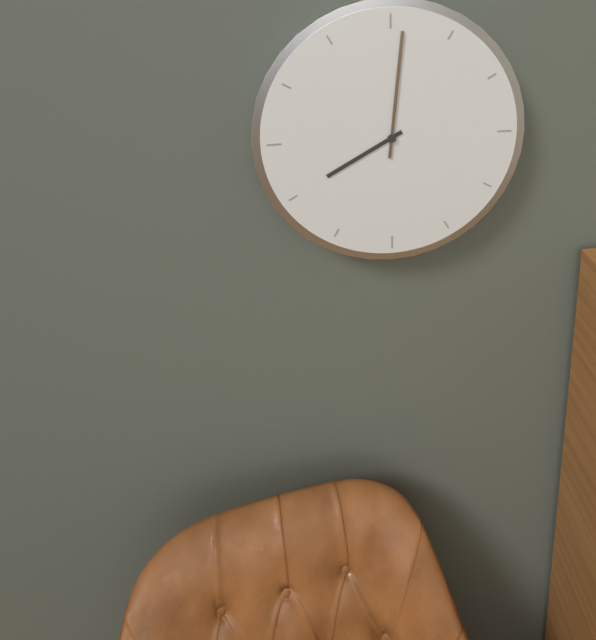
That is **8:01**
